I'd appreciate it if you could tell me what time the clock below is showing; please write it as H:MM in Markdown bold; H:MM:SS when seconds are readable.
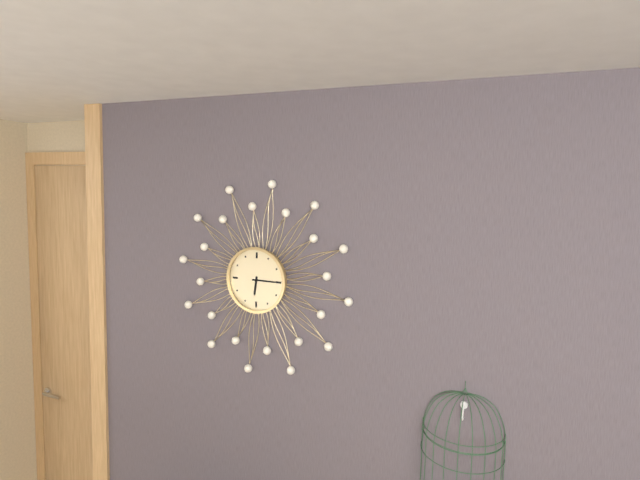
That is **6:15**
